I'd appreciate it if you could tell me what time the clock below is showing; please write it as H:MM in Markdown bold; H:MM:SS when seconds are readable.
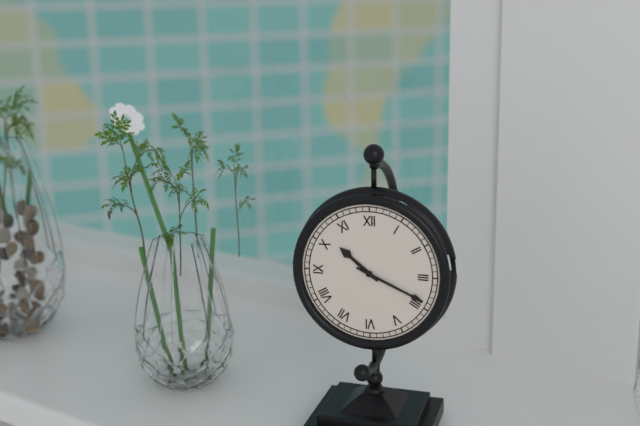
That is **10:19**
